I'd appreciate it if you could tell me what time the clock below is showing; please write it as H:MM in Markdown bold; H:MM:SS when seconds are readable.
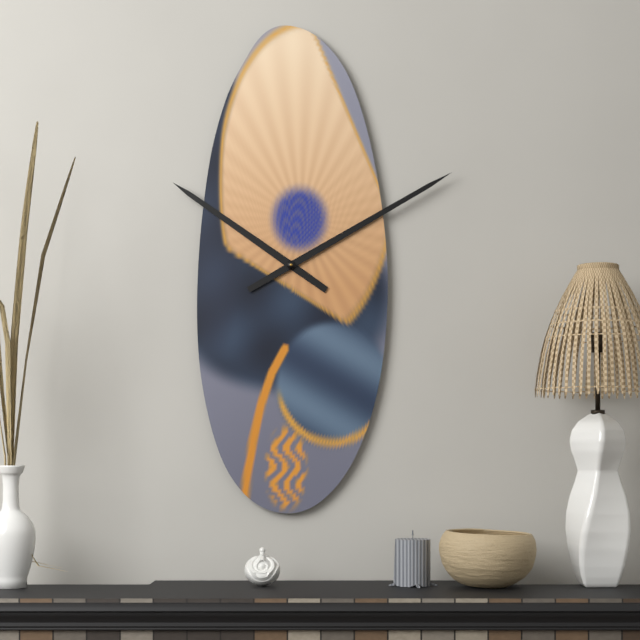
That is **10:10**
